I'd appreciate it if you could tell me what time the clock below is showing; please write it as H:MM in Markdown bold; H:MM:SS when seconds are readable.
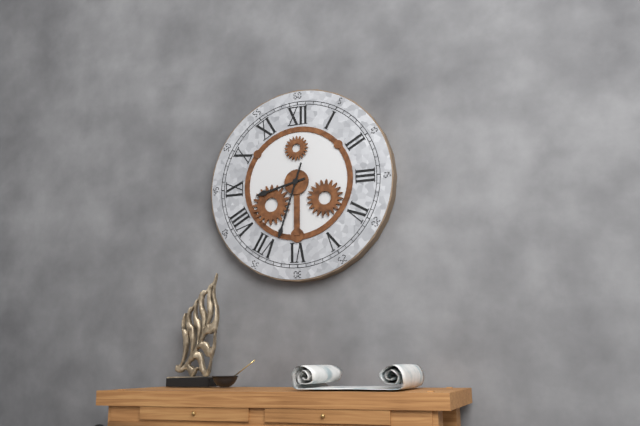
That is **8:33**
